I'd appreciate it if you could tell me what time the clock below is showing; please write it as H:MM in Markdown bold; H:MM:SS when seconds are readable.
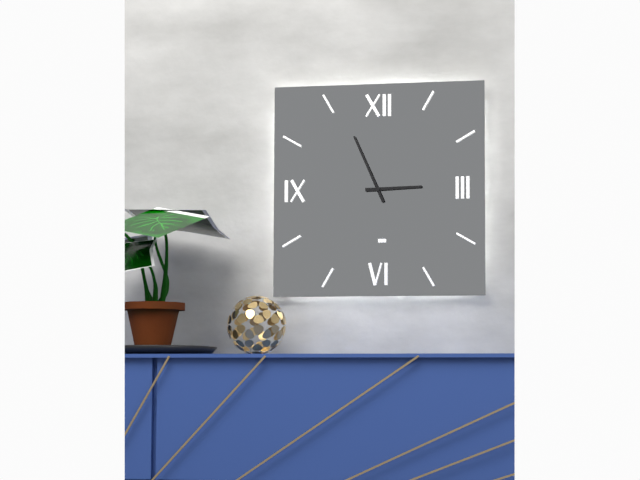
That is **2:56**
